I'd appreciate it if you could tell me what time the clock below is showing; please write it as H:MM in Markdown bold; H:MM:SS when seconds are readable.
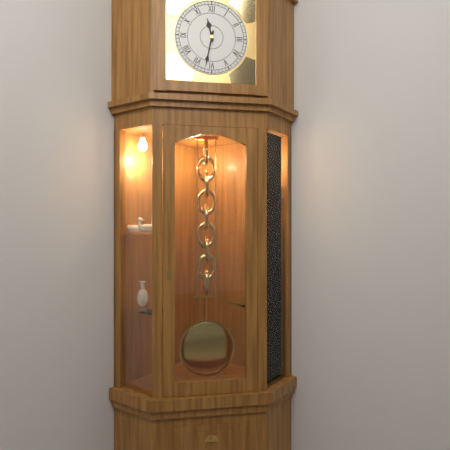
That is **11:32**
